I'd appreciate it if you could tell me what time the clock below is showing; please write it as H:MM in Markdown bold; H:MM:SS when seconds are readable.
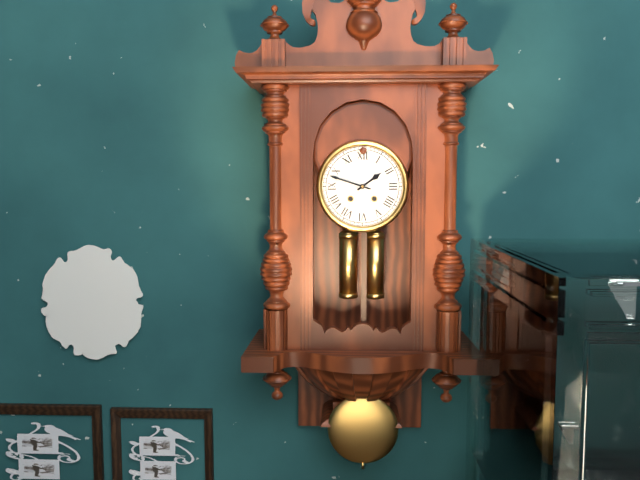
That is **1:48**
